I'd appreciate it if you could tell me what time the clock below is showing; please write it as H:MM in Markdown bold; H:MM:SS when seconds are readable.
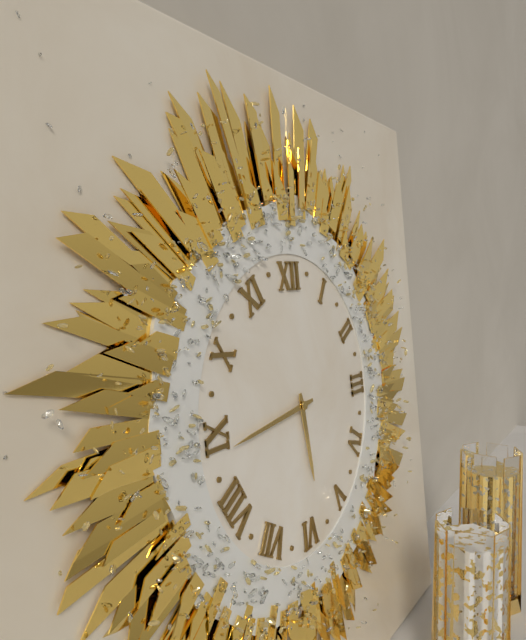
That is **5:44**
